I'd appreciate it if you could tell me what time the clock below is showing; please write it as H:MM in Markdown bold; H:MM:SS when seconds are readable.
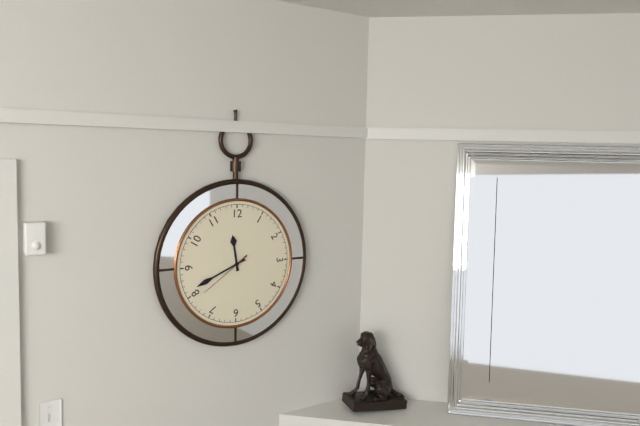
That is **11:41:39**
